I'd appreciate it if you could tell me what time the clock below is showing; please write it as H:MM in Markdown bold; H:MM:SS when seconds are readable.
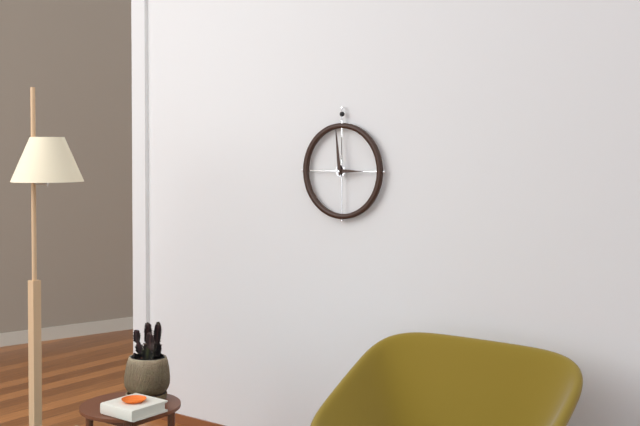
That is **2:59**
